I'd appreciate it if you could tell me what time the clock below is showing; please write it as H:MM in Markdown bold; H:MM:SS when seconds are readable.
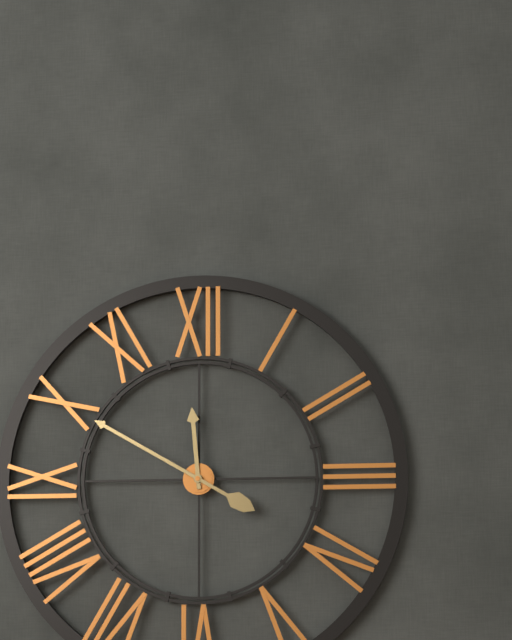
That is **11:50**
